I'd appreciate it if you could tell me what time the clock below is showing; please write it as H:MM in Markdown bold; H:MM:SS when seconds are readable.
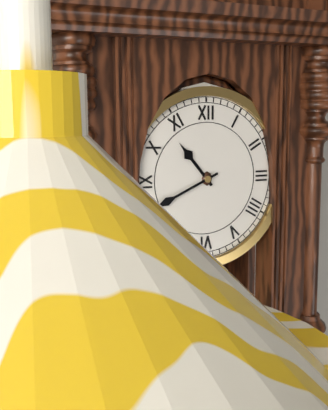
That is **10:41**
